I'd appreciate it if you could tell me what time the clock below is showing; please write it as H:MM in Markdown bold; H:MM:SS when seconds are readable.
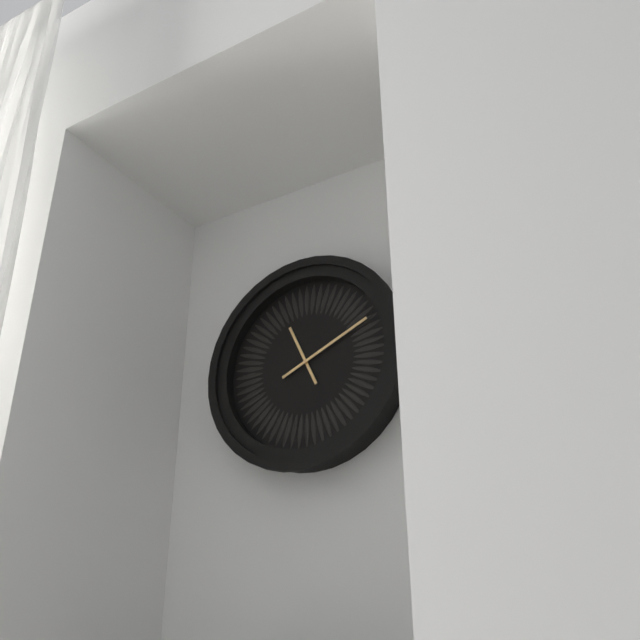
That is **11:11**
